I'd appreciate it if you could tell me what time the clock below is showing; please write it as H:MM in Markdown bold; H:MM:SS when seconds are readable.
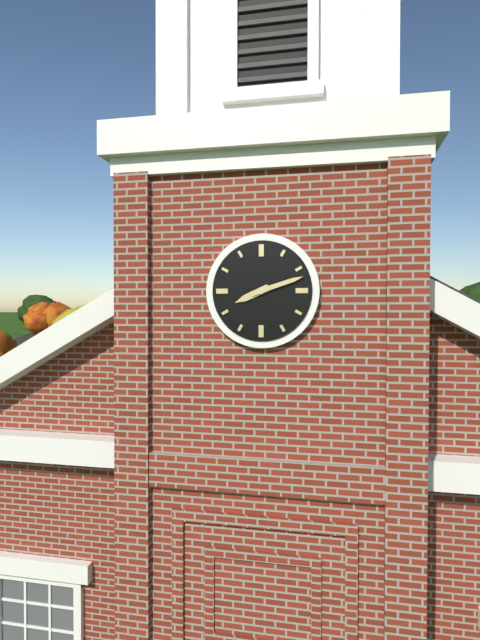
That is **8:12**
